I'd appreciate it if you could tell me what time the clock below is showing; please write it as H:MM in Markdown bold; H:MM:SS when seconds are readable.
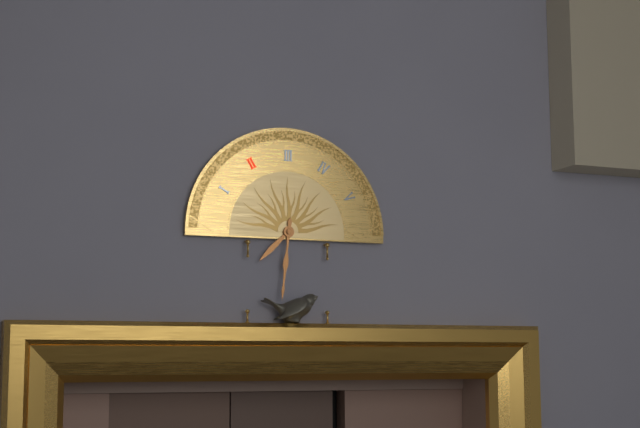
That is **7:31**
